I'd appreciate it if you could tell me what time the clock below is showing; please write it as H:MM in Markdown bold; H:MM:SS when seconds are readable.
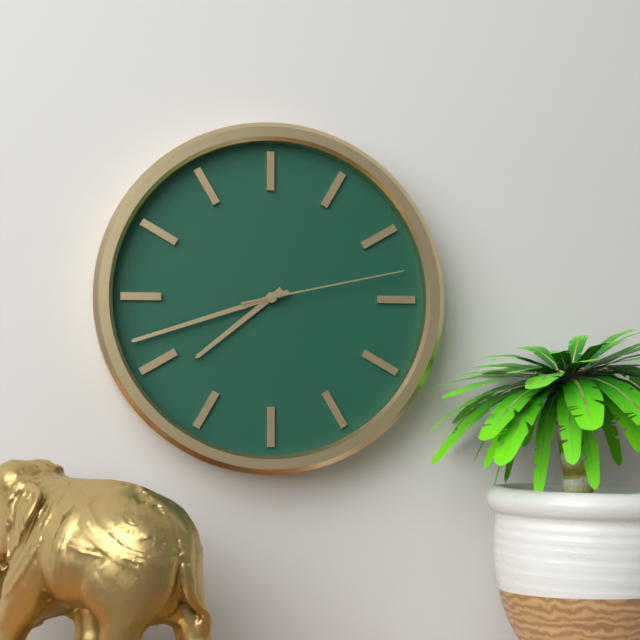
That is **7:42:13**
